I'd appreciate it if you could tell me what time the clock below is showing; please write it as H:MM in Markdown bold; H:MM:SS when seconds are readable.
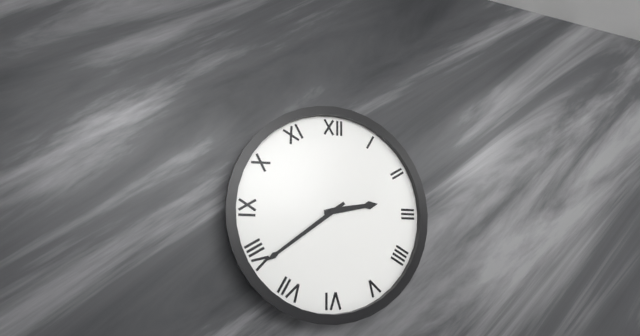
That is **2:39**
